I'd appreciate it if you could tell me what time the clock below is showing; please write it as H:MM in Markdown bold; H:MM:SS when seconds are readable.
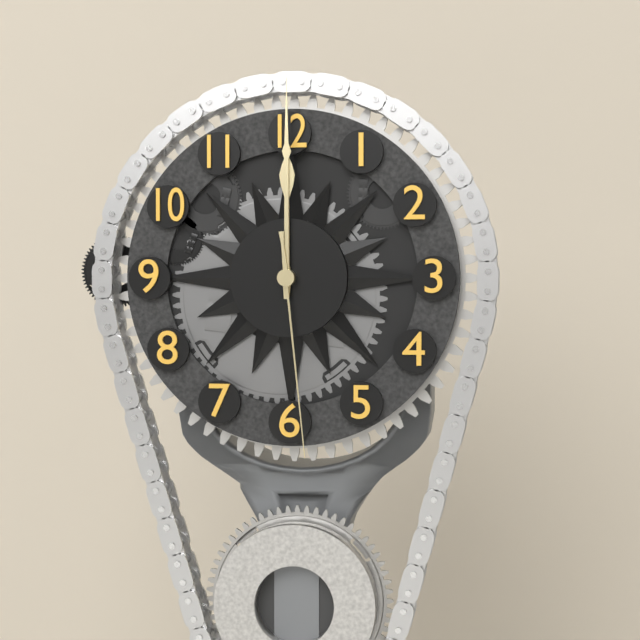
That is **12:00:29**
